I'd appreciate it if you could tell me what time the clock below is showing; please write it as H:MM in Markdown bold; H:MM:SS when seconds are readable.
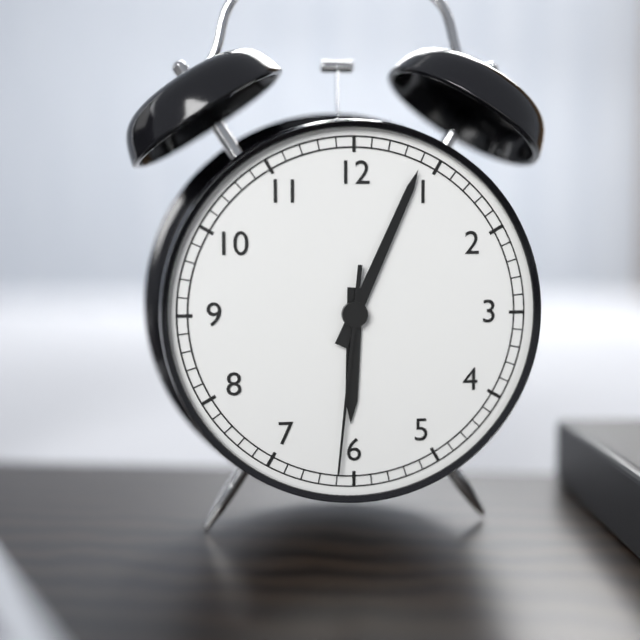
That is **6:04:31**
